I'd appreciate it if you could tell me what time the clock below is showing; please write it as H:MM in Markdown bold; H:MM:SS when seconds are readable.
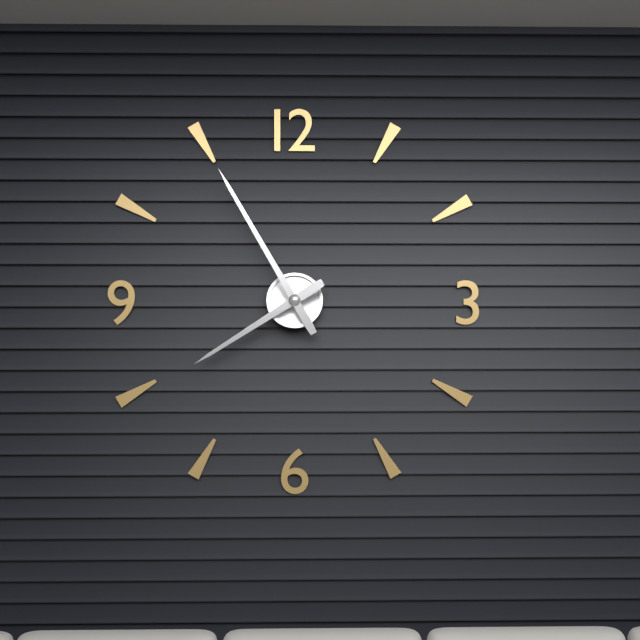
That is **7:55**
